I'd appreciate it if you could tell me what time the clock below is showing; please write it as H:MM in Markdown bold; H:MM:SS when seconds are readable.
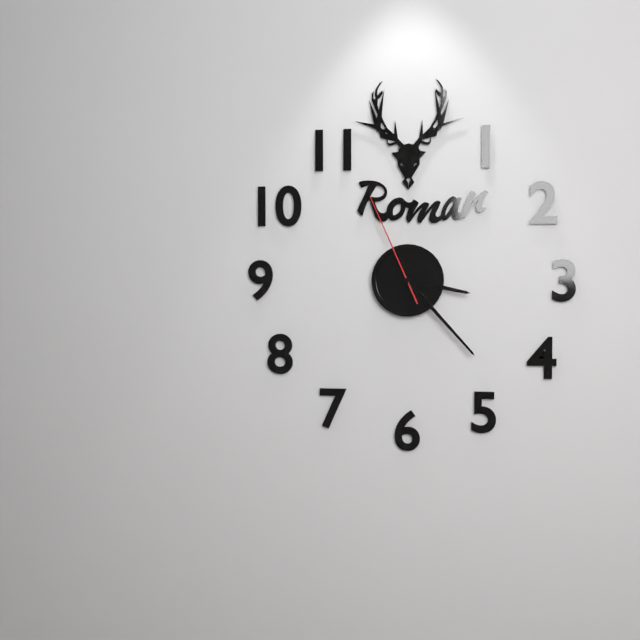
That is **3:23:56**
